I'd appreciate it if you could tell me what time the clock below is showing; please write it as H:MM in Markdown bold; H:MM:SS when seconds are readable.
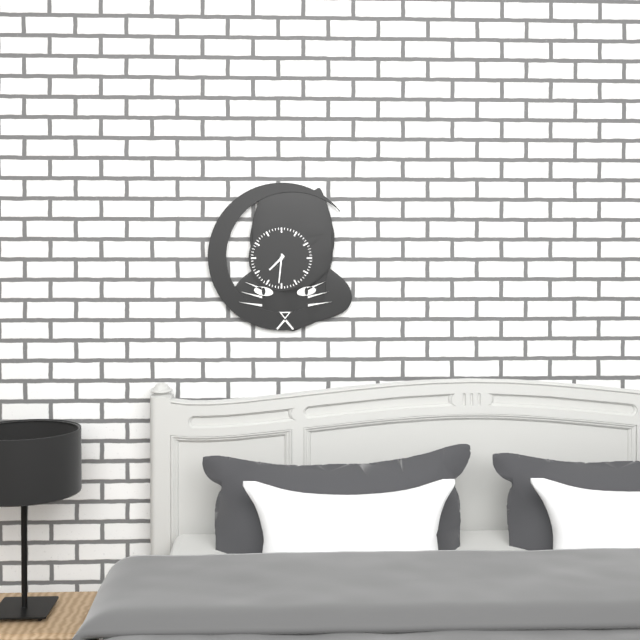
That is **7:31**
